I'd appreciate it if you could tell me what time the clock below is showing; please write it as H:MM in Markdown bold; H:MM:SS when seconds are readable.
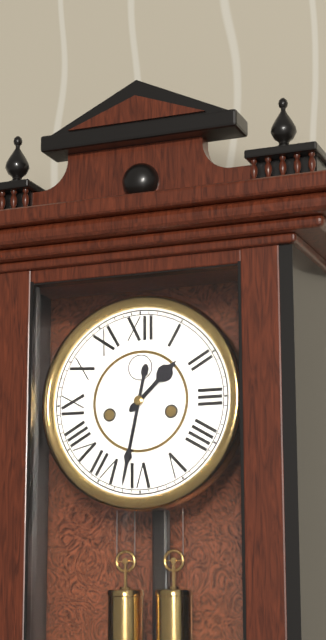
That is **1:32**
